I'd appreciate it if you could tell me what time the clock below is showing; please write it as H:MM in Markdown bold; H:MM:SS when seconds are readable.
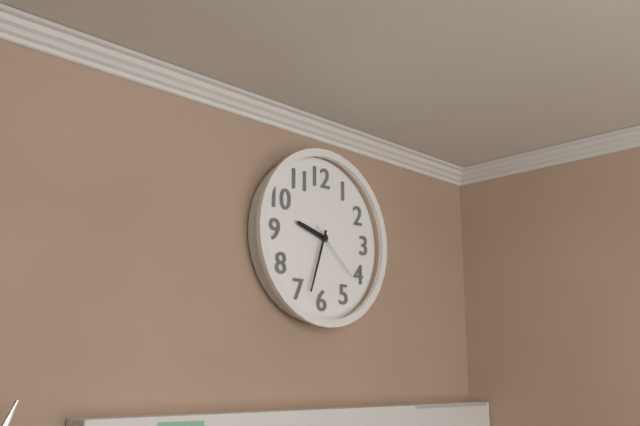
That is **9:33:22**
